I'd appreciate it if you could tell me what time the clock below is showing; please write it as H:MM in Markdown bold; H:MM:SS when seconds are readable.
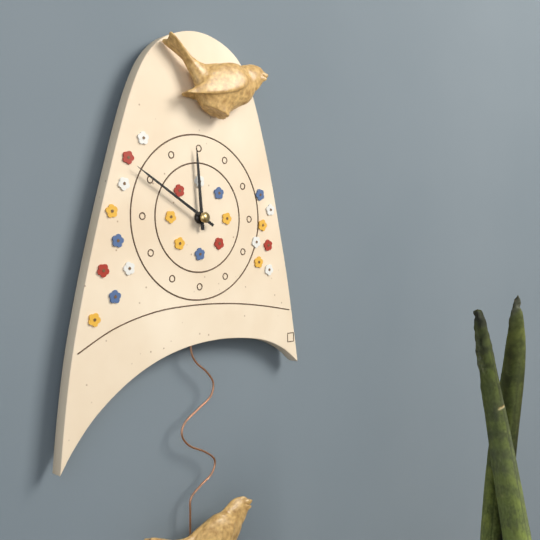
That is **11:50**
